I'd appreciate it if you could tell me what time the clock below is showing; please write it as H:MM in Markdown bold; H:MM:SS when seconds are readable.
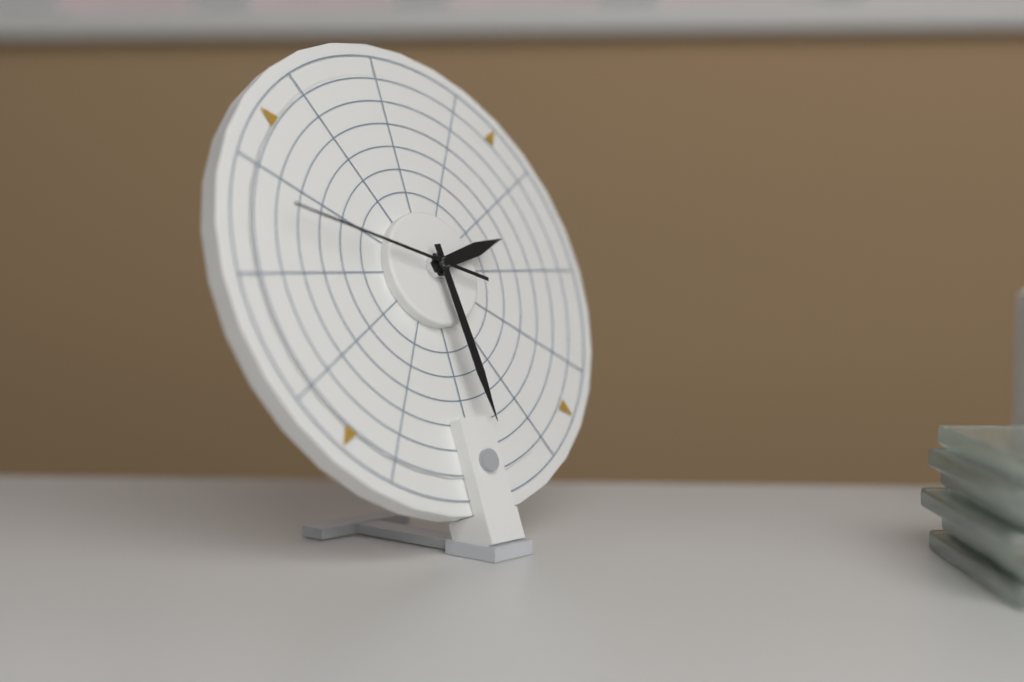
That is **2:29:48**
